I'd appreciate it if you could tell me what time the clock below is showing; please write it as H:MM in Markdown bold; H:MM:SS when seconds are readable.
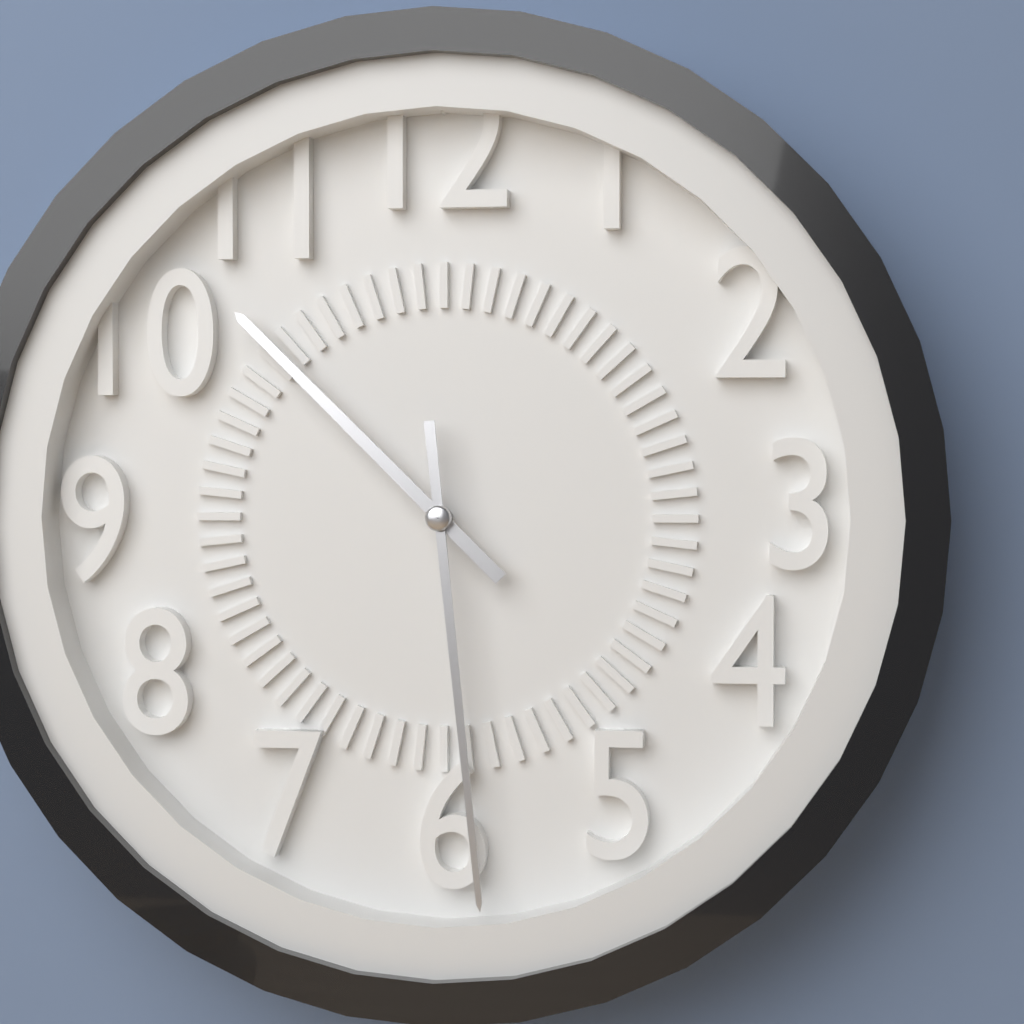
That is **10:29**
